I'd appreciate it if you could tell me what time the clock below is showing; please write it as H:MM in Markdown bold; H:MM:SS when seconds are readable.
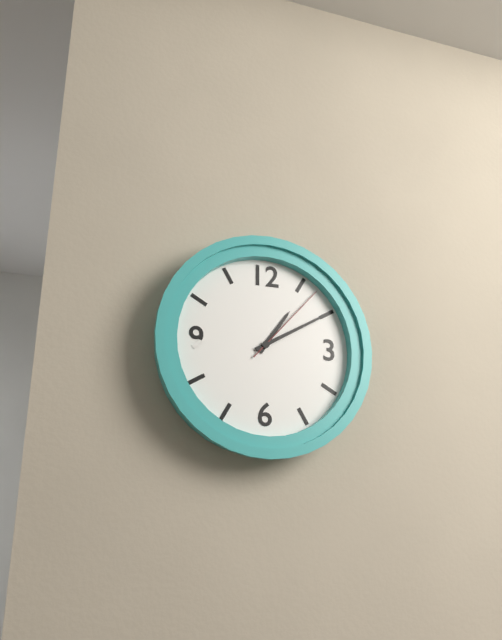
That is **1:10:07**
